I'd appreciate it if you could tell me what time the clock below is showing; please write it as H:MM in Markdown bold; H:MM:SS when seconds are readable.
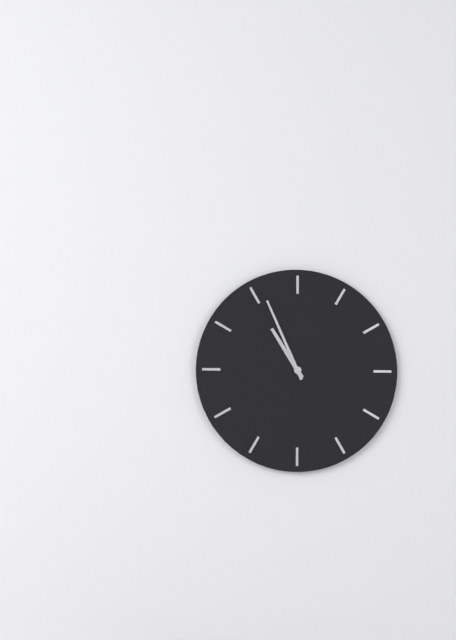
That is **10:56**
